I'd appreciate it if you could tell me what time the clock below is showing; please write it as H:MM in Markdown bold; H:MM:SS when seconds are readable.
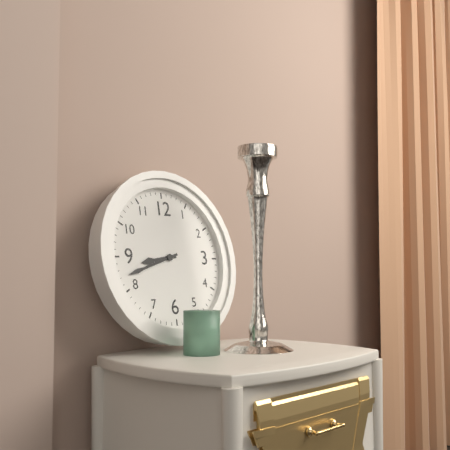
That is **8:42**
